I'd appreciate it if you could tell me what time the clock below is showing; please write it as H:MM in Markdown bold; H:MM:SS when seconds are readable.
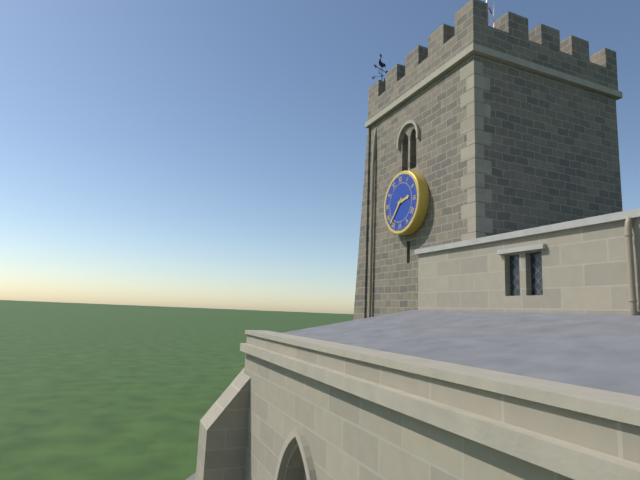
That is **2:37**
